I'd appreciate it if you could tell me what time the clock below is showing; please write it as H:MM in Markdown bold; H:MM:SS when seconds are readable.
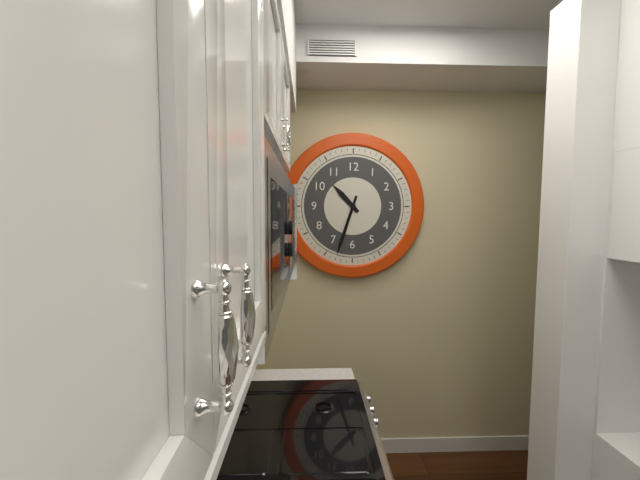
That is **10:33**
